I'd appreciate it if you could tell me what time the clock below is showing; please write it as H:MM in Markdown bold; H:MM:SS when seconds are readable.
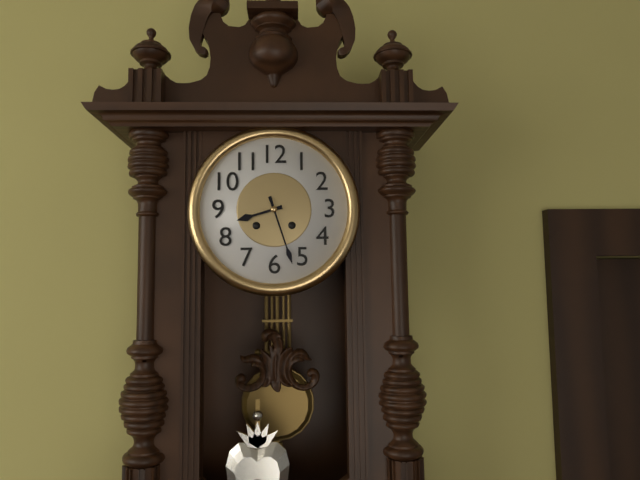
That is **8:27**
